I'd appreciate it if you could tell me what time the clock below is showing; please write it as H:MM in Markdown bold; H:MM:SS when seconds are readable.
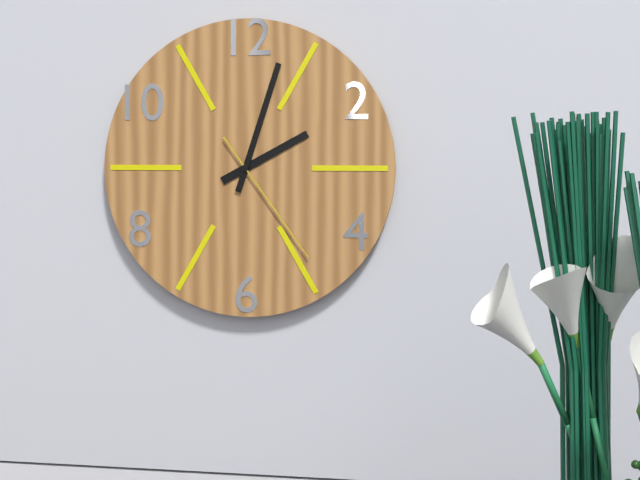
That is **2:03:24**
